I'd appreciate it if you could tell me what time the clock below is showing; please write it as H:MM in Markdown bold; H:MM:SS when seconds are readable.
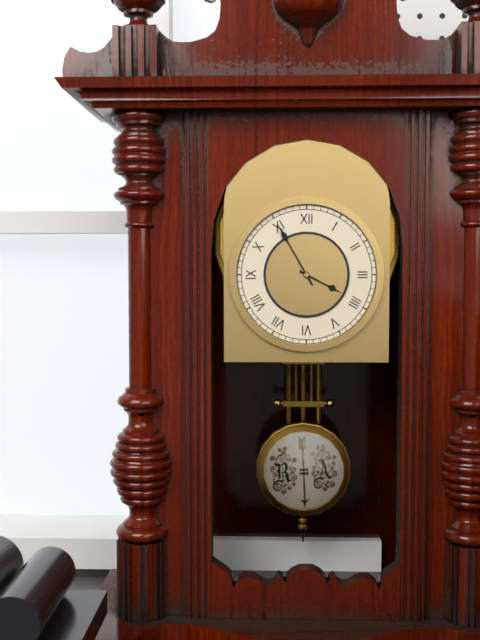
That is **3:55**
